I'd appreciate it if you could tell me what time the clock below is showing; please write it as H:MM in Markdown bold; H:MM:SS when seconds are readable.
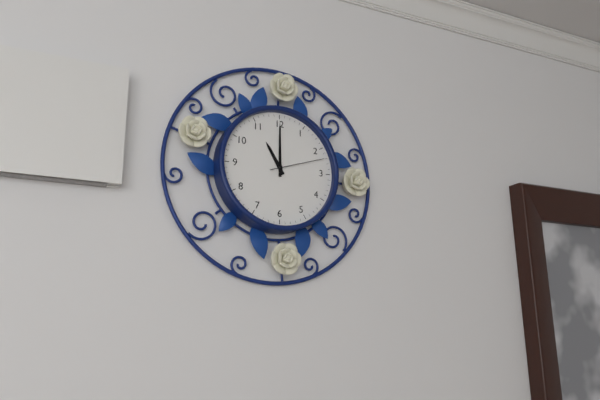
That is **11:00:12**
